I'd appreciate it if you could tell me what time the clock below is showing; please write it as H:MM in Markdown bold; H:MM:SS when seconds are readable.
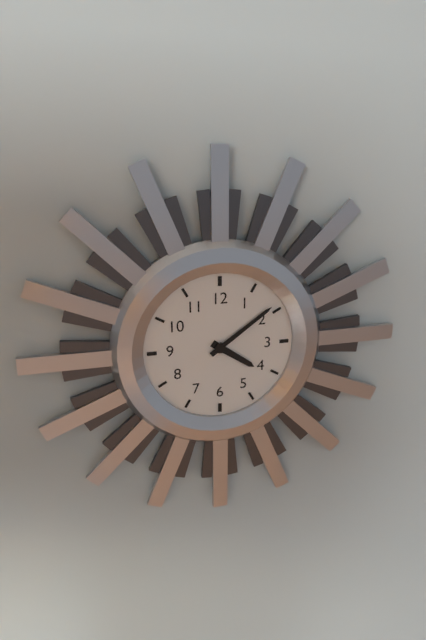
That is **4:09**
